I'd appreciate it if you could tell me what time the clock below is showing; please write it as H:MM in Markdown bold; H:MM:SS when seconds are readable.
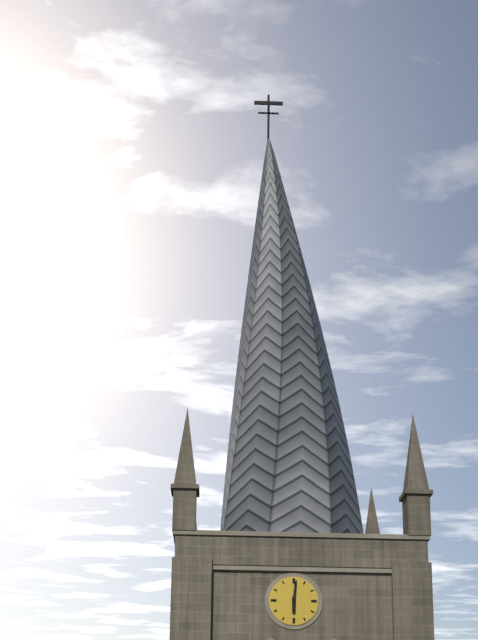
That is **6:01**
